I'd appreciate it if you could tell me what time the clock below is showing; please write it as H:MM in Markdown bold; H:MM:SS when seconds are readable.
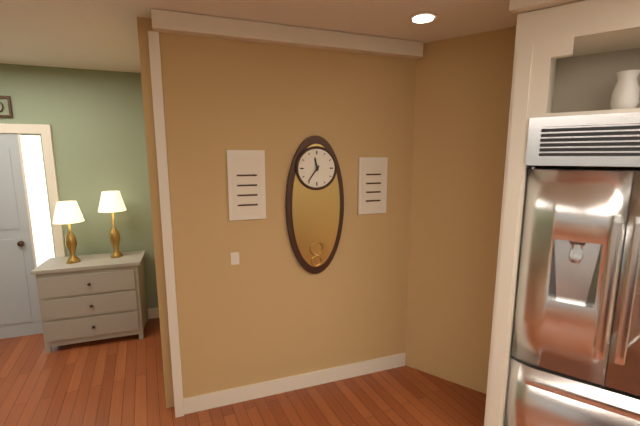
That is **11:36**
